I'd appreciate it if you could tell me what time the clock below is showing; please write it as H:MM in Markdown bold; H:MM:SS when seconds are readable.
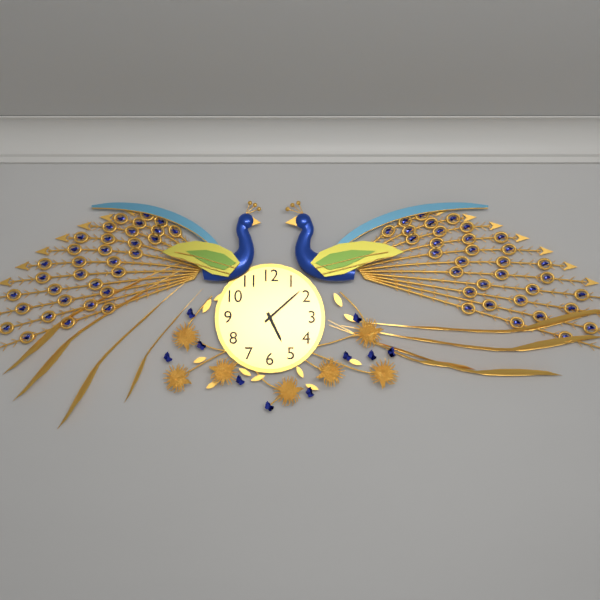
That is **5:08**
